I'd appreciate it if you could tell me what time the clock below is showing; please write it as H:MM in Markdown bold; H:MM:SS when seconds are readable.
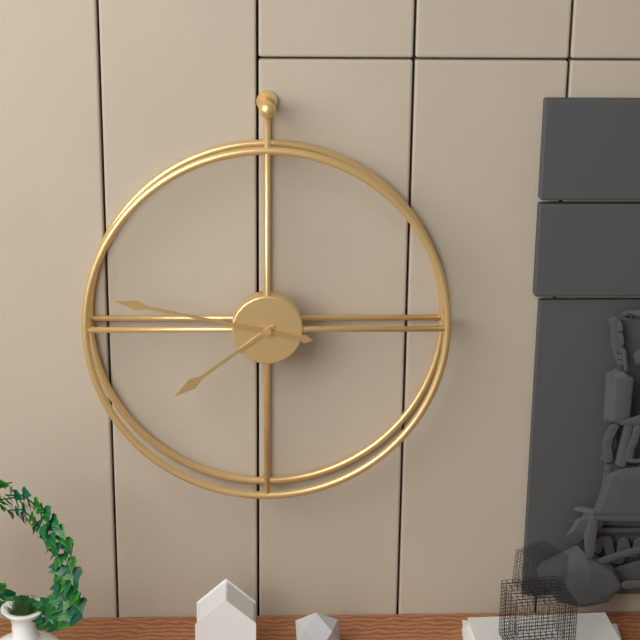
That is **7:47**
